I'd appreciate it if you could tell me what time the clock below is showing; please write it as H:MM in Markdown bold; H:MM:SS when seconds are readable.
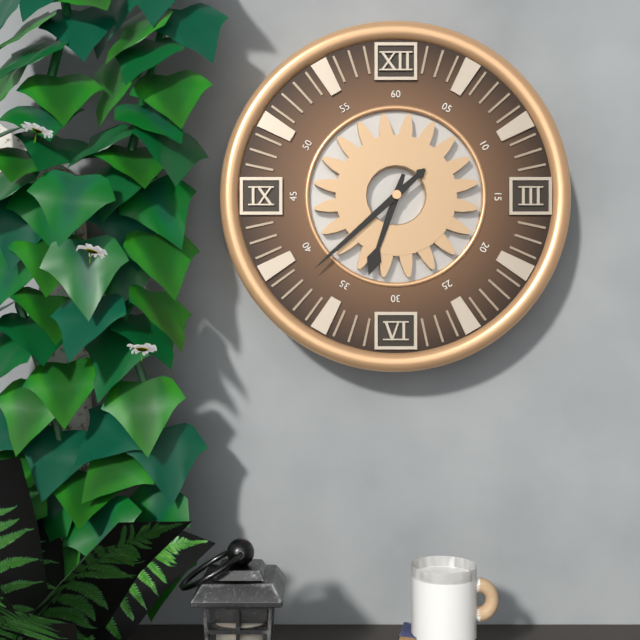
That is **6:38**
